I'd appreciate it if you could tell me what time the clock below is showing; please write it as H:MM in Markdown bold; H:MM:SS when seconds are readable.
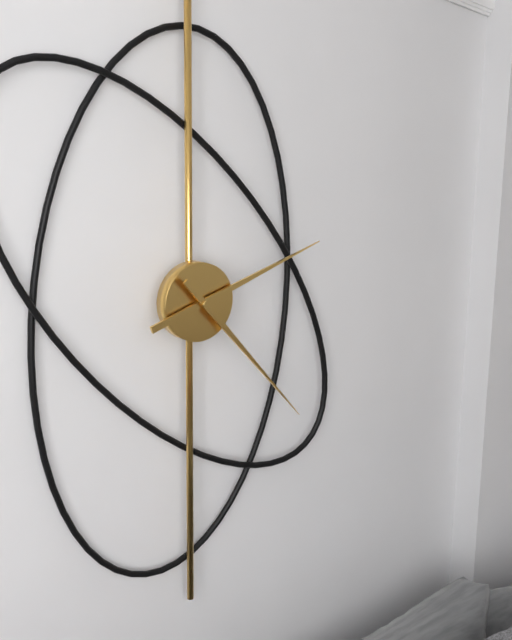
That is **2:23**
